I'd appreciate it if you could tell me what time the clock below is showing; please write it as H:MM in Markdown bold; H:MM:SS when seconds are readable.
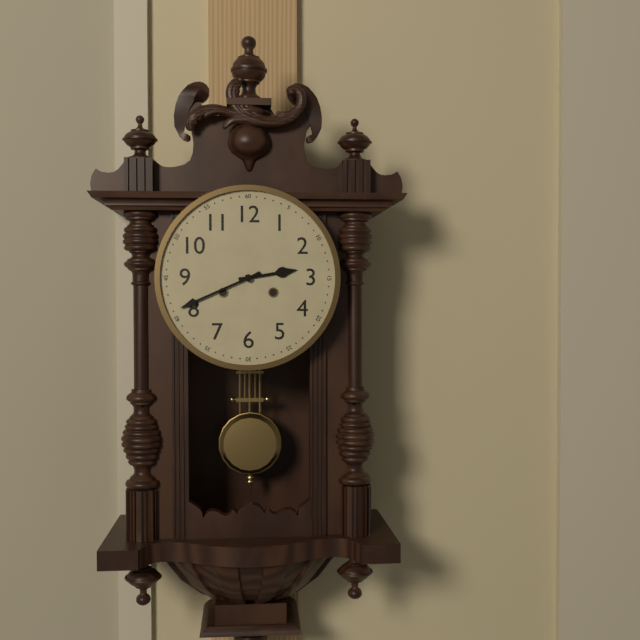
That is **2:41**
